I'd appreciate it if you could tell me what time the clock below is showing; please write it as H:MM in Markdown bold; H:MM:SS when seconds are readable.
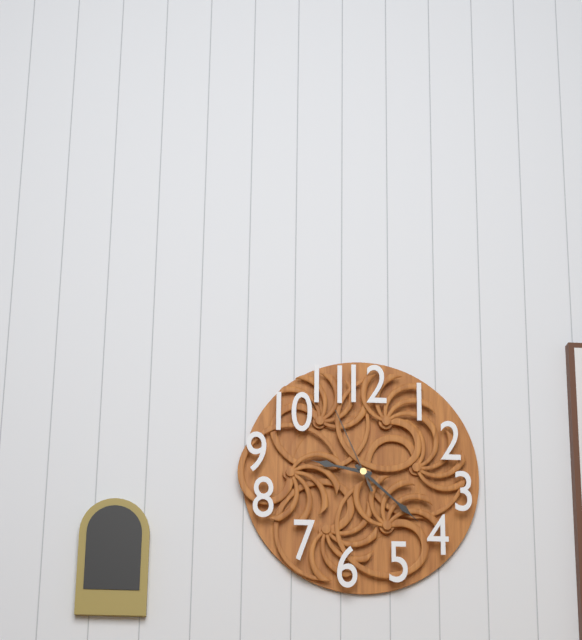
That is **9:22:56**
